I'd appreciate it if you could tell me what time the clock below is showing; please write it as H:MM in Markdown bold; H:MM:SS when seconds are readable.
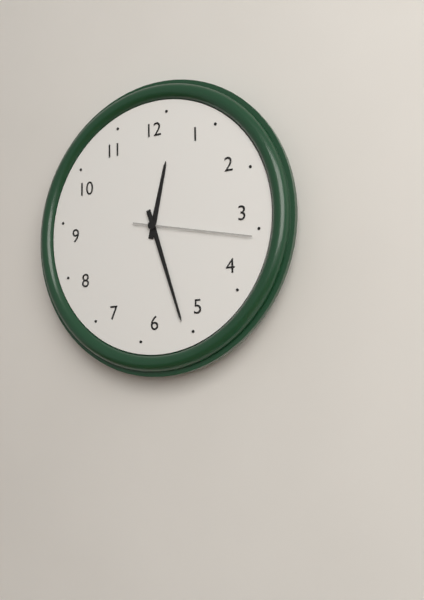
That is **12:27:17**
